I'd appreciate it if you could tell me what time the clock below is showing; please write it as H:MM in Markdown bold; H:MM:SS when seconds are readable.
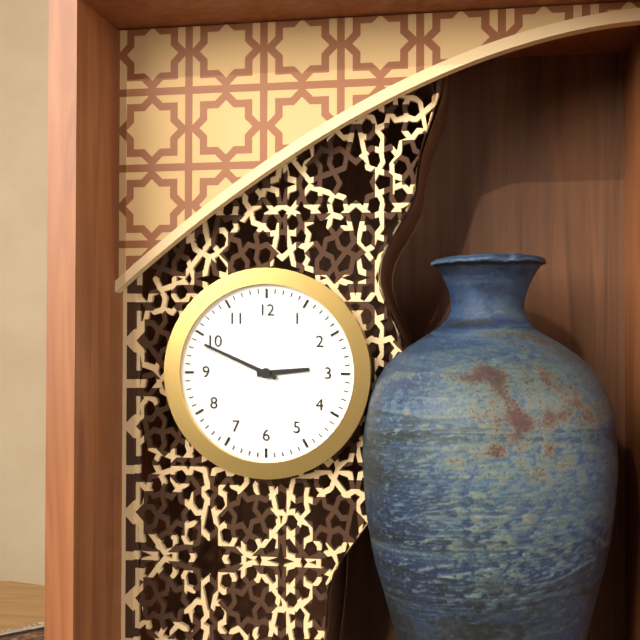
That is **2:49**
